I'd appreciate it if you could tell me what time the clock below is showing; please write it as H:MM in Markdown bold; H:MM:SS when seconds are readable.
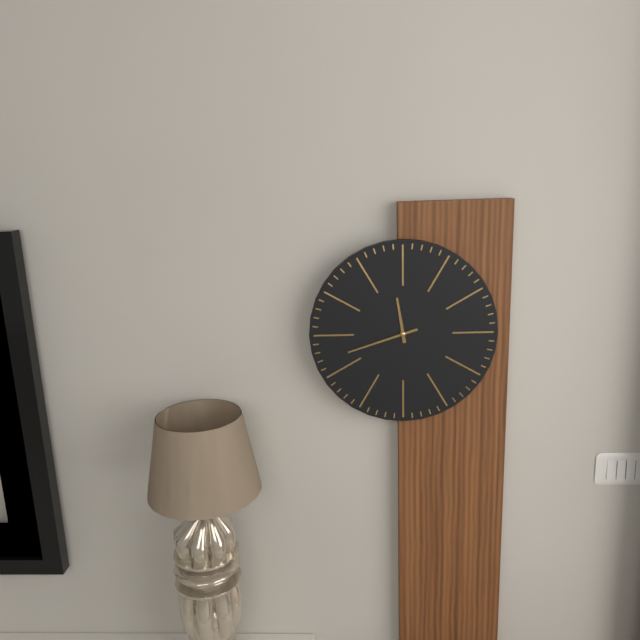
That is **11:42**
